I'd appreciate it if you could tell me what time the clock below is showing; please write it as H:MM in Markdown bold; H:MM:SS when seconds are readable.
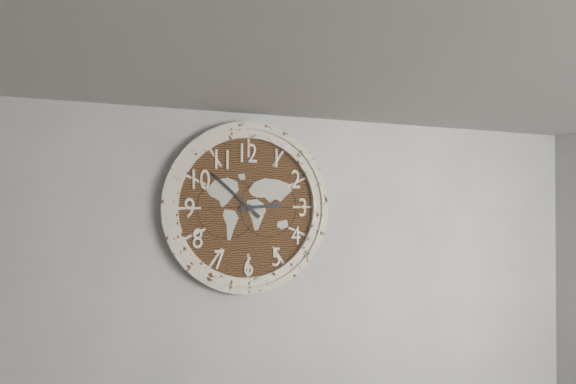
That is **2:52**
